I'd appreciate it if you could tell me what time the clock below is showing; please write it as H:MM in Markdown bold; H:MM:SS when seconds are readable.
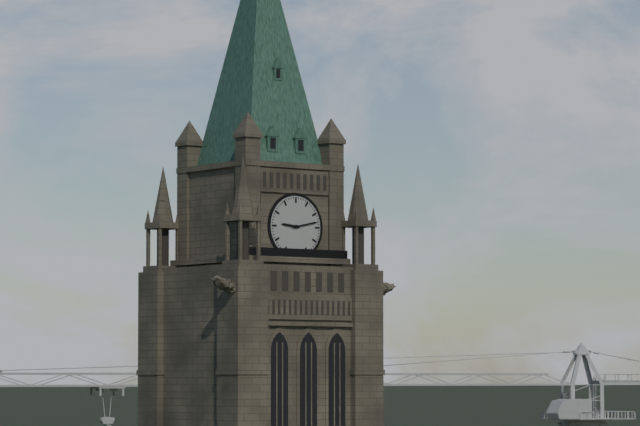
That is **9:13**
